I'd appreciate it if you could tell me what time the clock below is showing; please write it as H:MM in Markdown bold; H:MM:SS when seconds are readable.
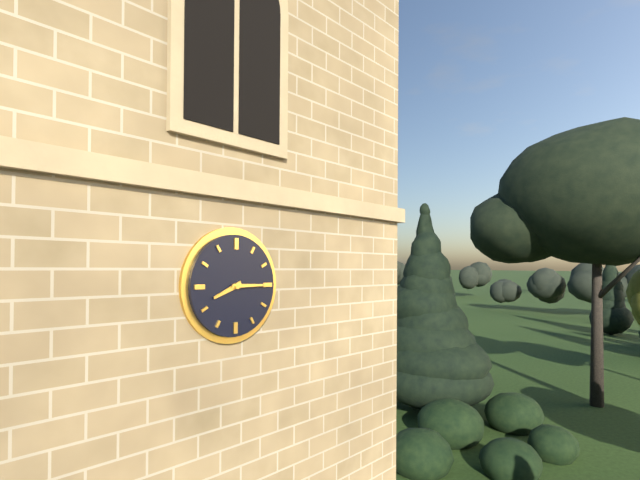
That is **8:15**
